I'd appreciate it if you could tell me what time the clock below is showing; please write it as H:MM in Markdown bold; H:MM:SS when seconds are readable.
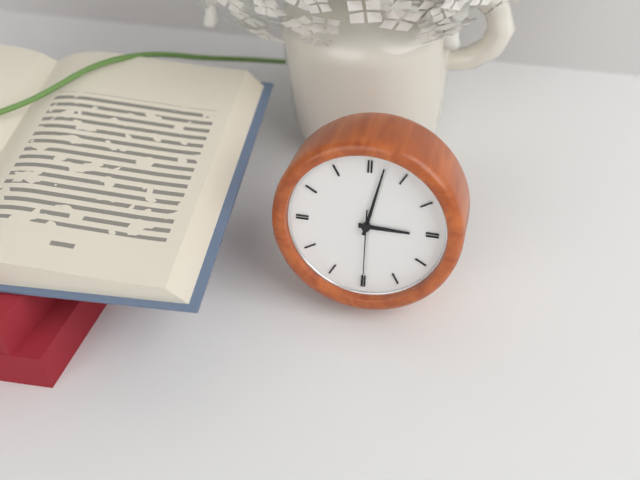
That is **3:02:30**
